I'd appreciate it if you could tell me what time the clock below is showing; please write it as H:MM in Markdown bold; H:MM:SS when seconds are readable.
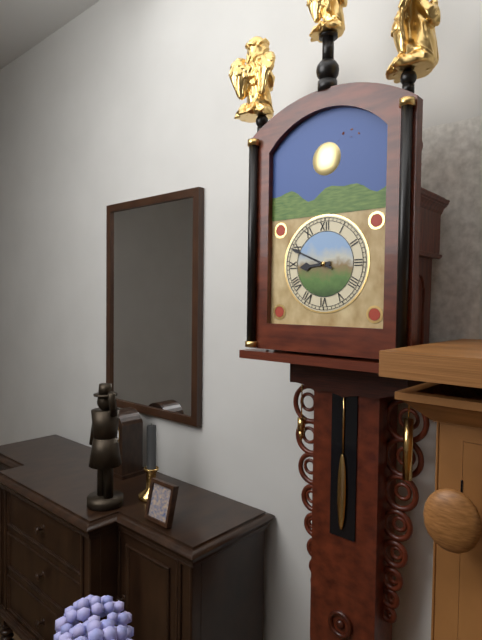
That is **8:49**
